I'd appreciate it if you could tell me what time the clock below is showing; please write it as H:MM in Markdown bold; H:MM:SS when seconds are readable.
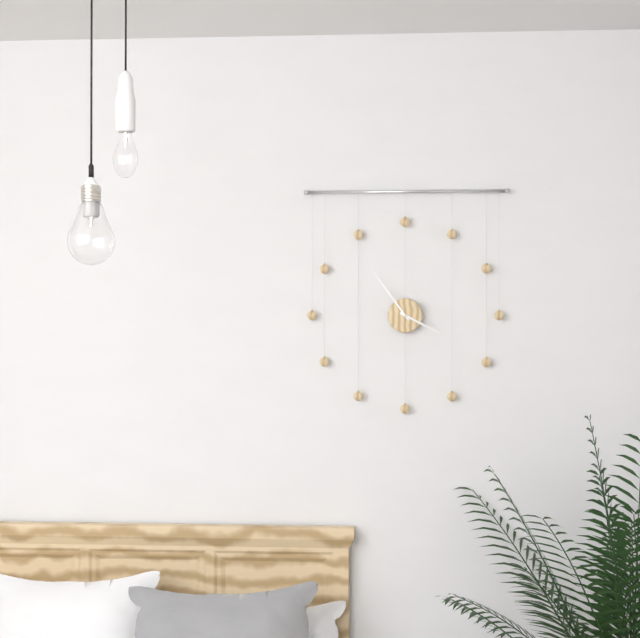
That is **3:54**
